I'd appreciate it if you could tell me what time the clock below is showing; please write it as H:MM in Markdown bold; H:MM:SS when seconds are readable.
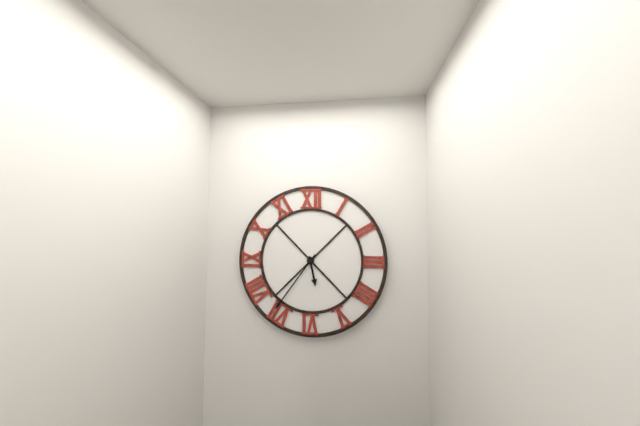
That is **5:36**
